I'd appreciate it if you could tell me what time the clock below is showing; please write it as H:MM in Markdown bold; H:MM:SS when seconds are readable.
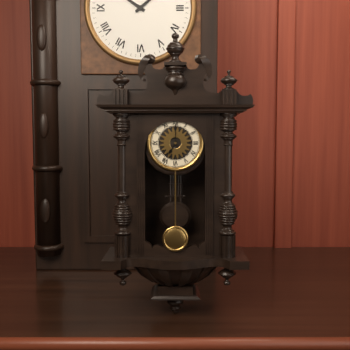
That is **7:00**
